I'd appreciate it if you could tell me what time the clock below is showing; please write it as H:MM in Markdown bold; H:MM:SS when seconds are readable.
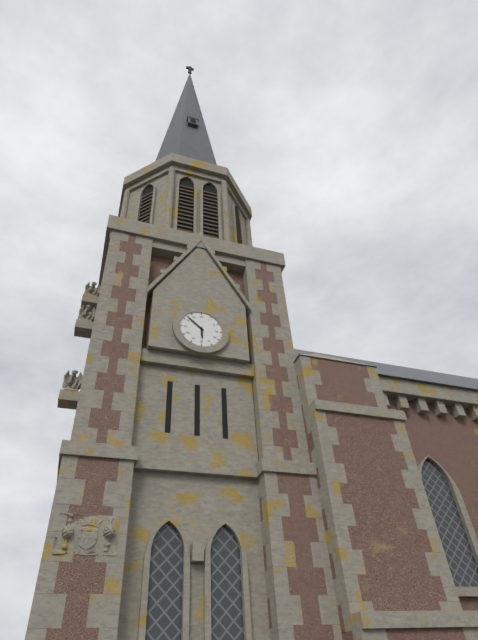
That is **5:52**
